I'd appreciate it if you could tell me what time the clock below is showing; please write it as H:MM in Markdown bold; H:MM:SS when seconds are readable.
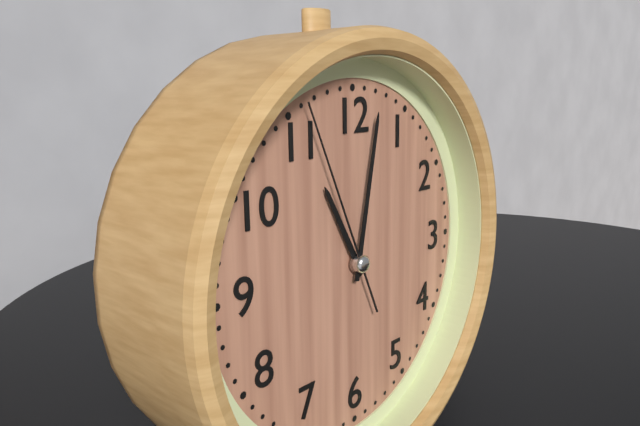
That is **11:02:56**
